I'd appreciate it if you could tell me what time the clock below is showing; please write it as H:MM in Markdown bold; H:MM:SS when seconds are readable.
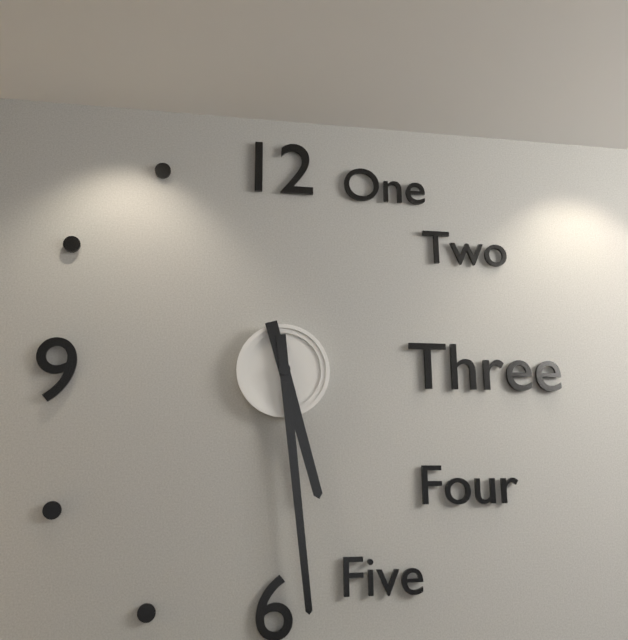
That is **5:29**
